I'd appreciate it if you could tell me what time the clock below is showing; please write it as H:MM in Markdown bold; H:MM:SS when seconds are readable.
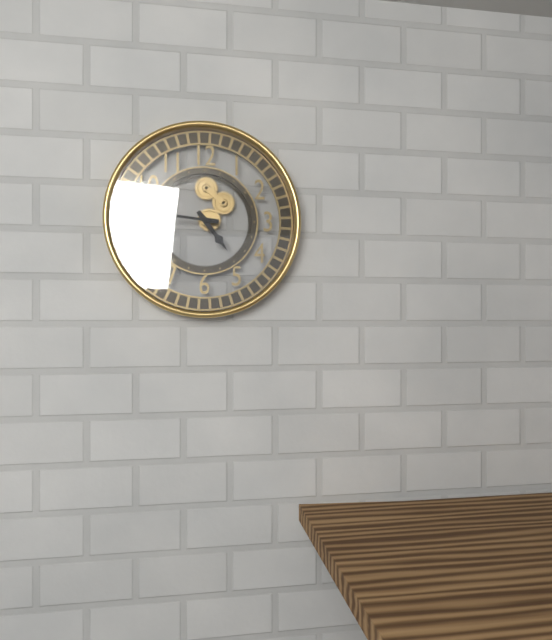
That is **4:46**
